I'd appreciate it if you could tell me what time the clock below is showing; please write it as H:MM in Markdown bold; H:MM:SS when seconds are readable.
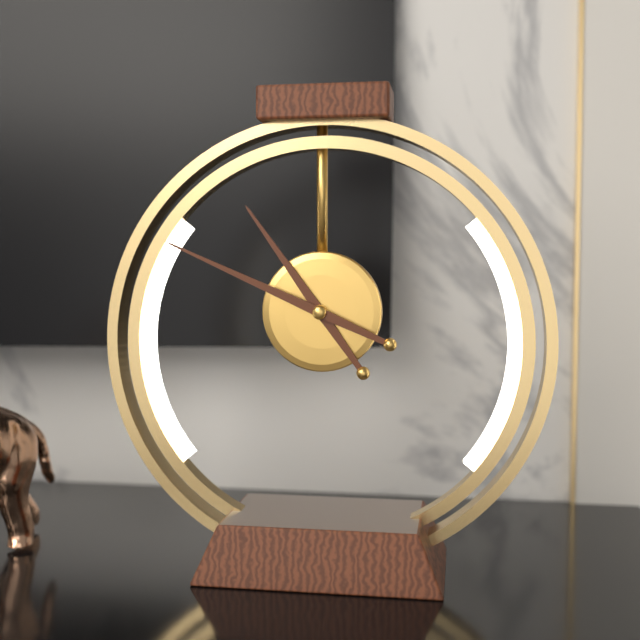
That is **10:49**
